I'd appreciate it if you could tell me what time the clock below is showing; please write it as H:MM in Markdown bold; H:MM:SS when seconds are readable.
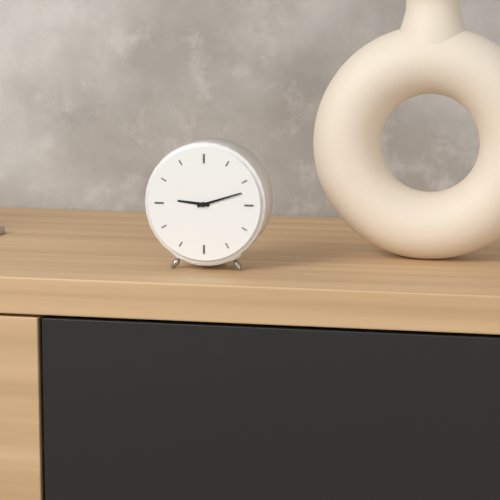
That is **9:12**
